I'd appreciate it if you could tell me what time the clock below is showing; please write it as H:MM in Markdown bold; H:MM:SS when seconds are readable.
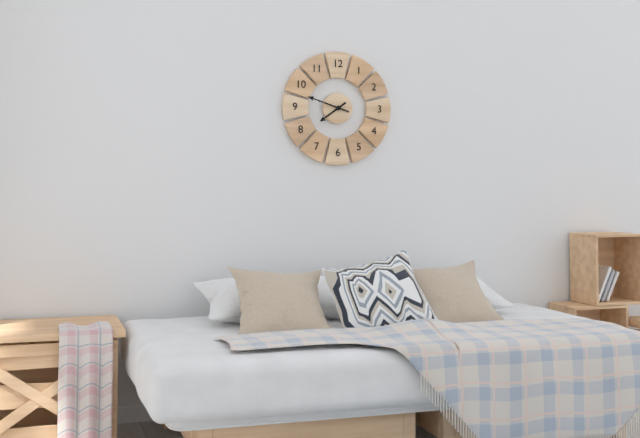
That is **7:48**
